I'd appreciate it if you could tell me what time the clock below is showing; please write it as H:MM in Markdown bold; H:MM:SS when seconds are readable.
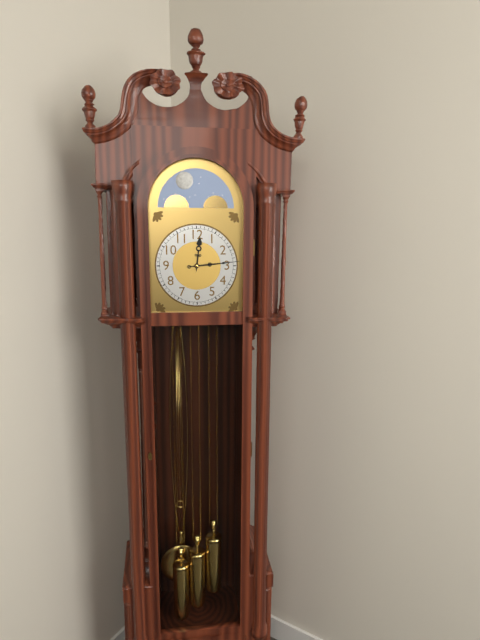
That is **12:14**
